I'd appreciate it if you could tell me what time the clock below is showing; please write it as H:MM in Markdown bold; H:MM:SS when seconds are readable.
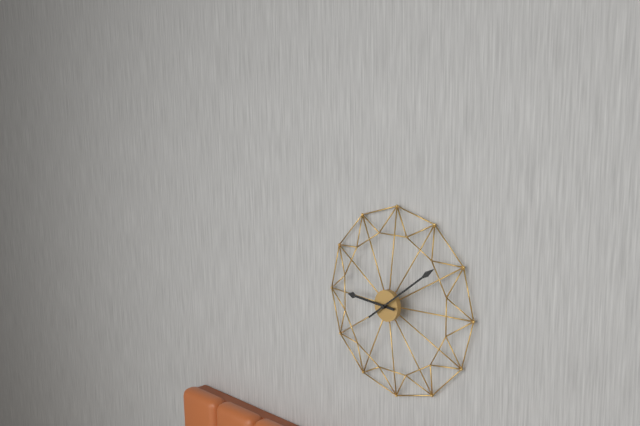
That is **9:09**
